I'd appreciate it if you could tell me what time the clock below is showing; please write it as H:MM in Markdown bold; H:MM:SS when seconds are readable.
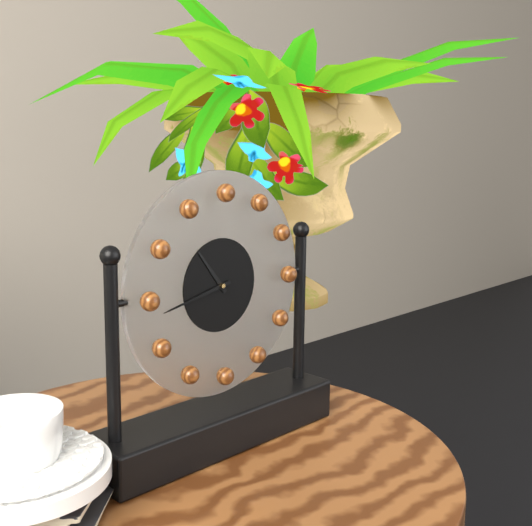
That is **10:43**
